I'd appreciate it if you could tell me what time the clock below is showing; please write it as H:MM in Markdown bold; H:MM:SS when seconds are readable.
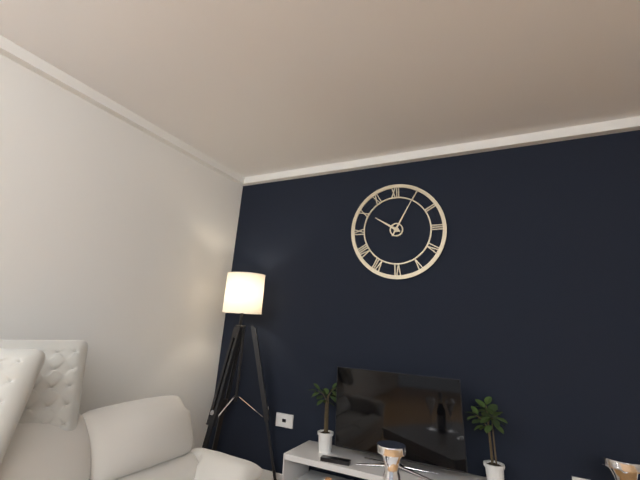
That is **10:05**
